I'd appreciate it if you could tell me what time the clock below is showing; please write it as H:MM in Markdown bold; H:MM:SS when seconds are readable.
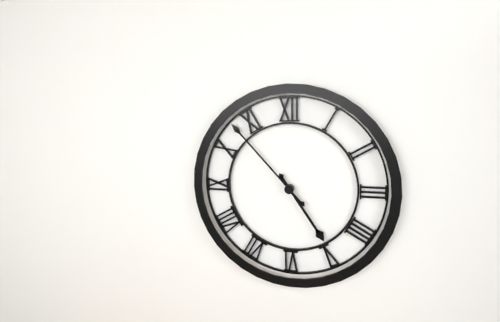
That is **4:53**
